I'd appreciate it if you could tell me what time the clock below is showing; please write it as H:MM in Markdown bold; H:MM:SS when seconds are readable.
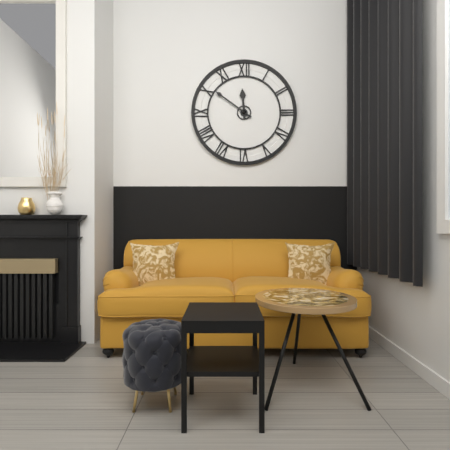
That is **11:51**
